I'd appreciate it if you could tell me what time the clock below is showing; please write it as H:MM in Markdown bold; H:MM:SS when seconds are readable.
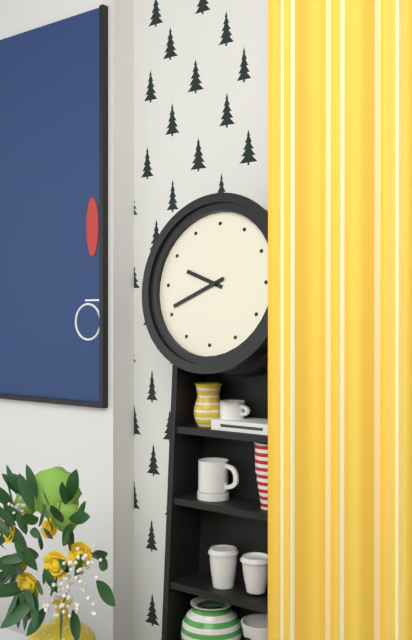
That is **9:41**
